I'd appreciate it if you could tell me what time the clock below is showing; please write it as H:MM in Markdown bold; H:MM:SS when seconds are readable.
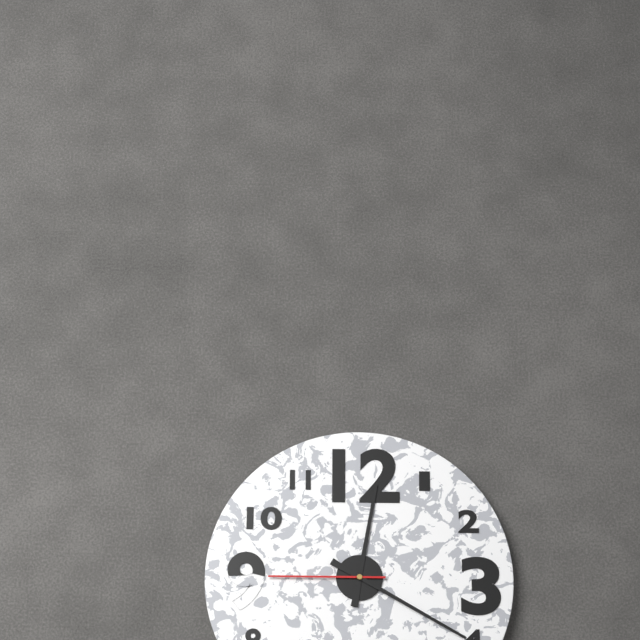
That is **12:20:45**
